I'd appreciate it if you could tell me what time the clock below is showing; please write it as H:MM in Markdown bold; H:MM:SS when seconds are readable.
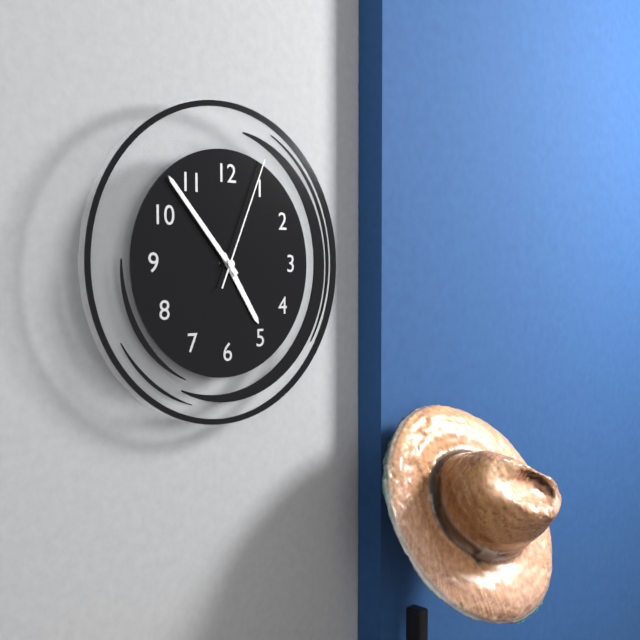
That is **4:53:04**
